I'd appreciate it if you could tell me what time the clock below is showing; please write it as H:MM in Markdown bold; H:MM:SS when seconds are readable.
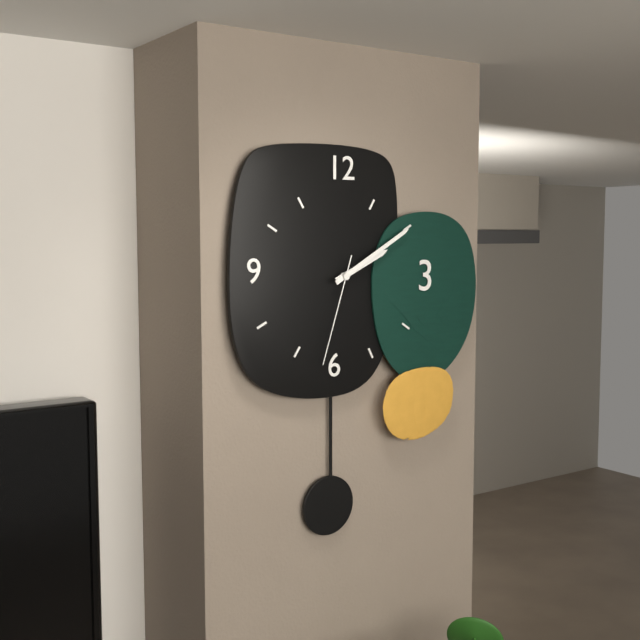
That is **2:10:33**
